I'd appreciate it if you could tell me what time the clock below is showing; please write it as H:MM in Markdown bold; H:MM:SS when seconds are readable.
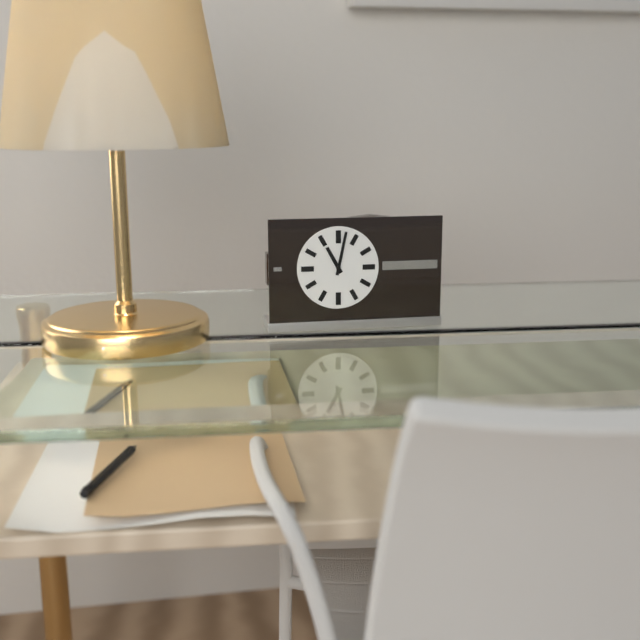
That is **11:02**
